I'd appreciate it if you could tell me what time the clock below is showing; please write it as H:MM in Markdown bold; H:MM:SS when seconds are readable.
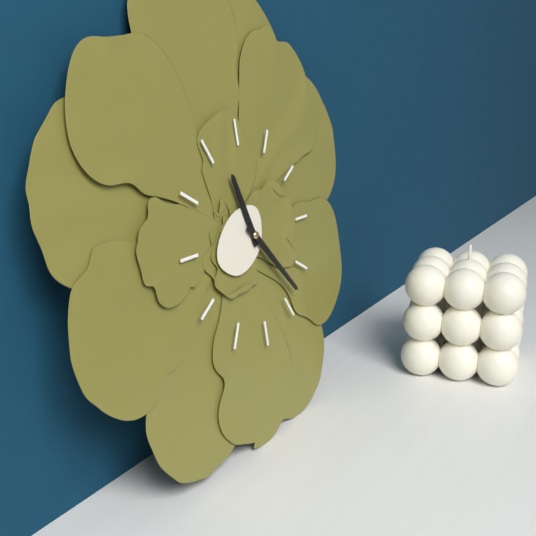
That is **11:23**
